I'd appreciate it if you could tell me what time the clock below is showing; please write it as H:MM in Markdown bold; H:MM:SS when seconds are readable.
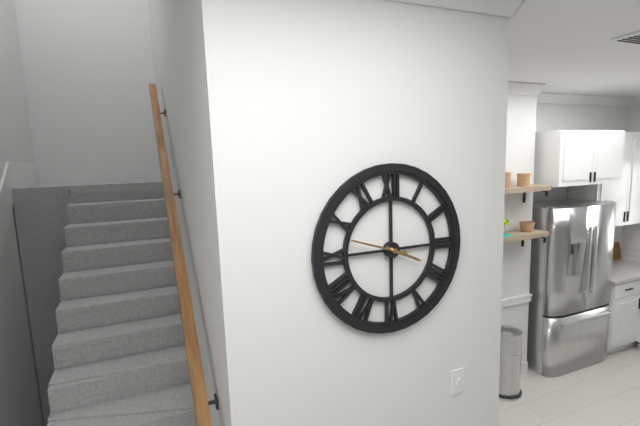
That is **3:48**
